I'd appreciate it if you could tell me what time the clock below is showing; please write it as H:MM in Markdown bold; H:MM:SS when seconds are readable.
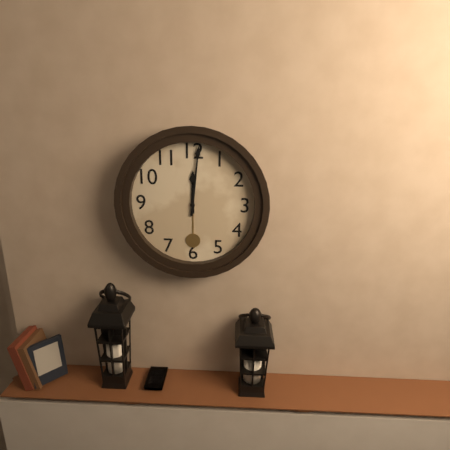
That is **12:01**
